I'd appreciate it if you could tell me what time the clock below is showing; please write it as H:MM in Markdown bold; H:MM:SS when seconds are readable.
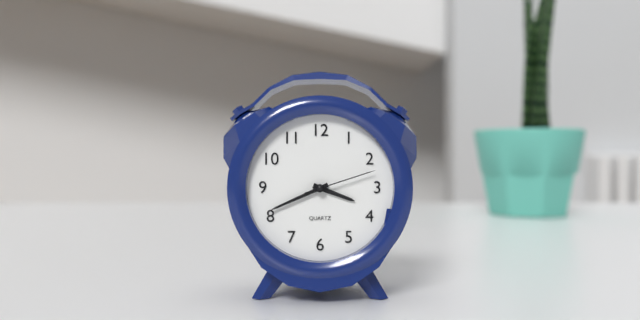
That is **3:41:12**
